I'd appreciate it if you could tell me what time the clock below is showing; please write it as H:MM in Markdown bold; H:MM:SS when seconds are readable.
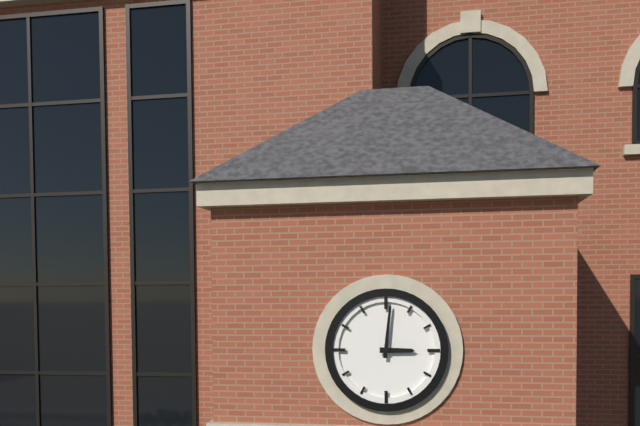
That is **3:01**
